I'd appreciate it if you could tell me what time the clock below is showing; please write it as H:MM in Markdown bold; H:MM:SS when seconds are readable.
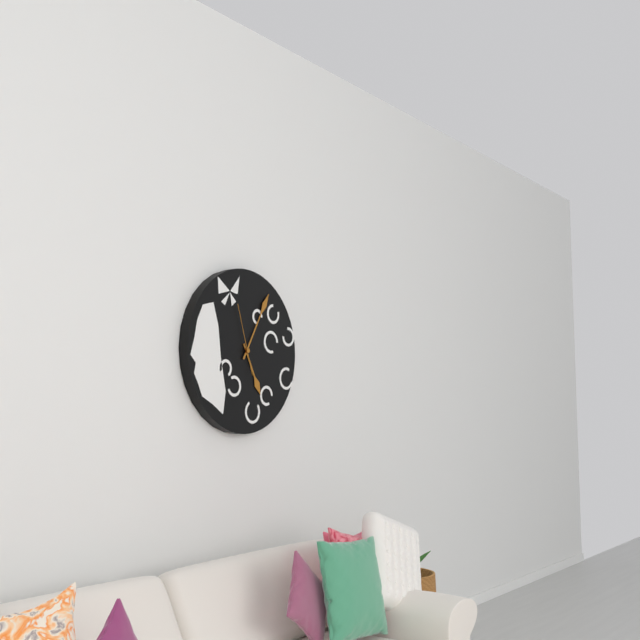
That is **5:05:57**
